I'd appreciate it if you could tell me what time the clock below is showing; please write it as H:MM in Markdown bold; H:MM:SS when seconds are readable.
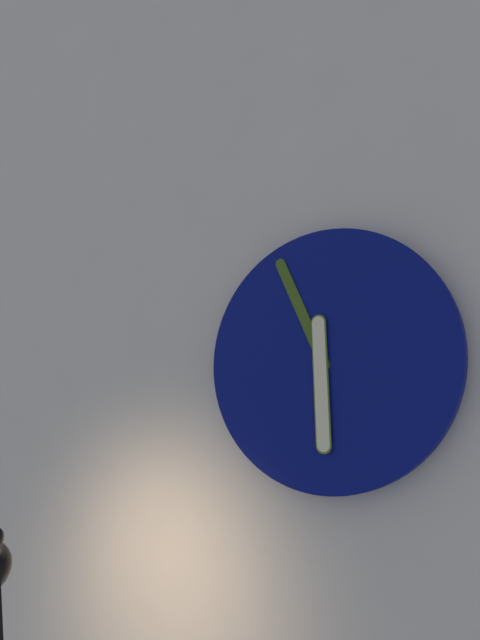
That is **5:56**
